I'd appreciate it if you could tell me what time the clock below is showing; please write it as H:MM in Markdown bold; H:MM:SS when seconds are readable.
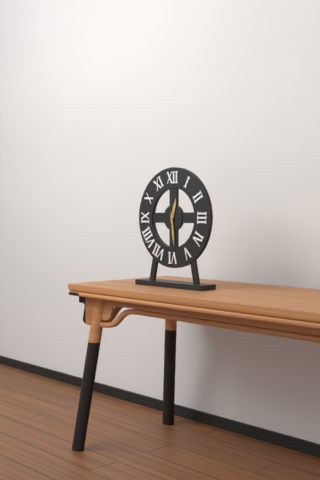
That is **12:29**
